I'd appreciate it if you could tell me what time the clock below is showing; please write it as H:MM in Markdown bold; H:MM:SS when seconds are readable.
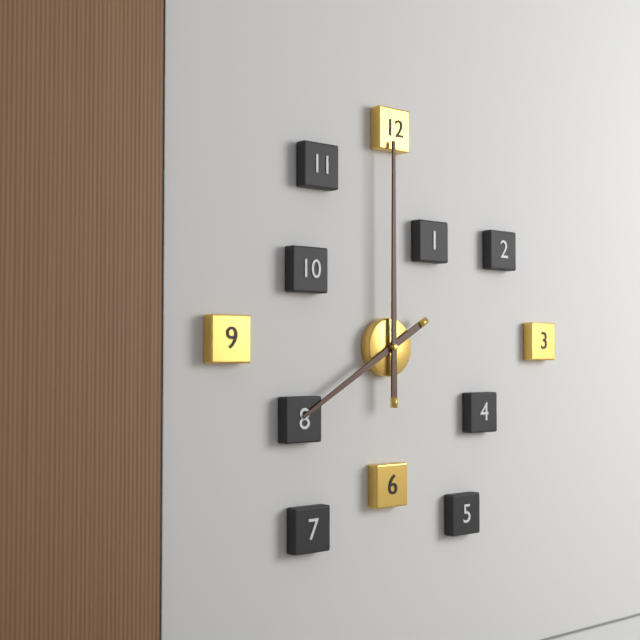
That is **8:00**
